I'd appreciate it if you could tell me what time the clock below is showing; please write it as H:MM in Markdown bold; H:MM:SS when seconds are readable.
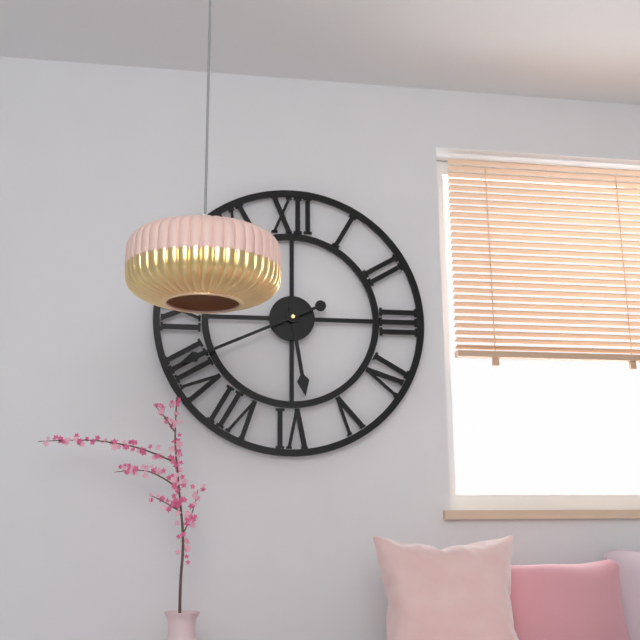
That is **5:41**
